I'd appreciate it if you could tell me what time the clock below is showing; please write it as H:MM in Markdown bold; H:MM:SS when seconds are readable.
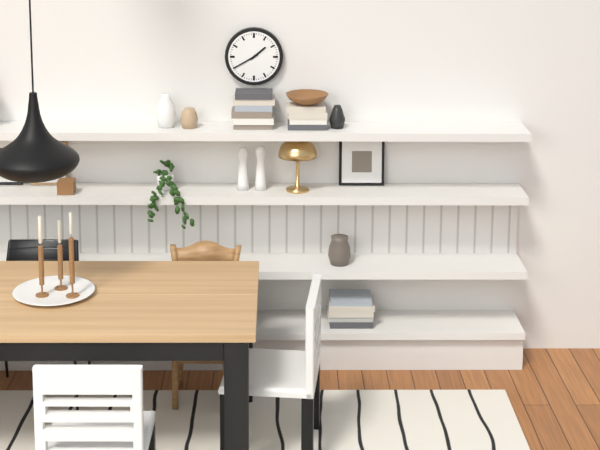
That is **1:40**
